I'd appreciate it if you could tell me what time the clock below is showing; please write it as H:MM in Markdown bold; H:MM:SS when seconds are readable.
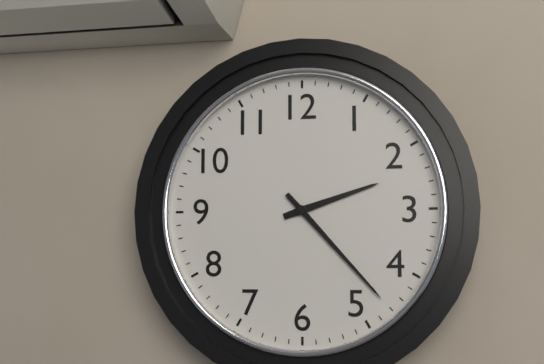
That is **2:23**
